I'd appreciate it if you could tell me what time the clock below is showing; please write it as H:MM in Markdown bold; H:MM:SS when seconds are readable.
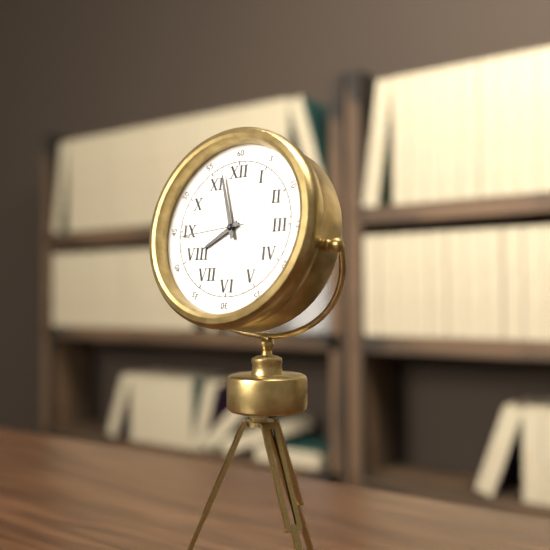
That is **7:57:44**
